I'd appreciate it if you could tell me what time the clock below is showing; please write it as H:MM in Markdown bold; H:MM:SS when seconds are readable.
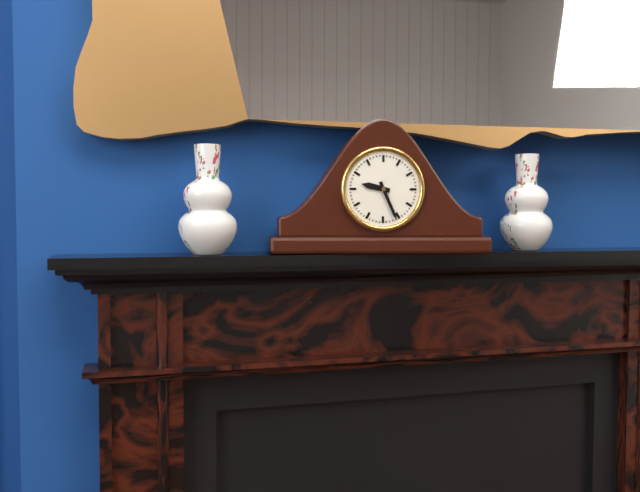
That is **9:26**
